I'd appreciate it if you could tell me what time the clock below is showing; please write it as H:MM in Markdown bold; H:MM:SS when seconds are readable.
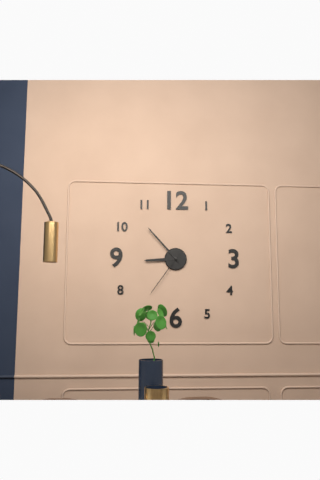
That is **8:53:36**
